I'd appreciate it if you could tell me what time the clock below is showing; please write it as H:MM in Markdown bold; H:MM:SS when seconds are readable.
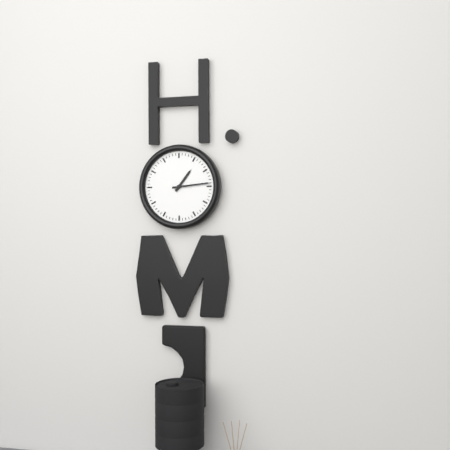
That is **1:14**
